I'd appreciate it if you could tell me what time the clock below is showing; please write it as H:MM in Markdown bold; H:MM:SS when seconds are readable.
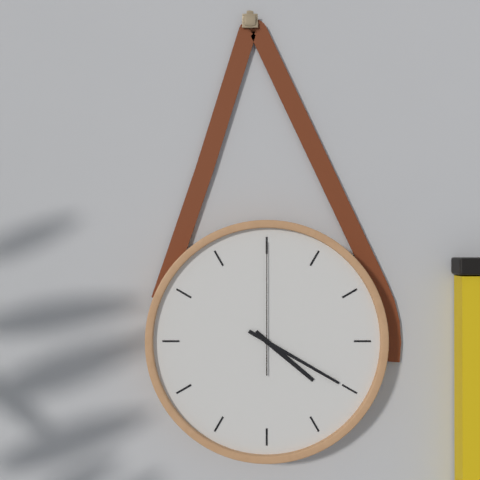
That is **4:20:00**
